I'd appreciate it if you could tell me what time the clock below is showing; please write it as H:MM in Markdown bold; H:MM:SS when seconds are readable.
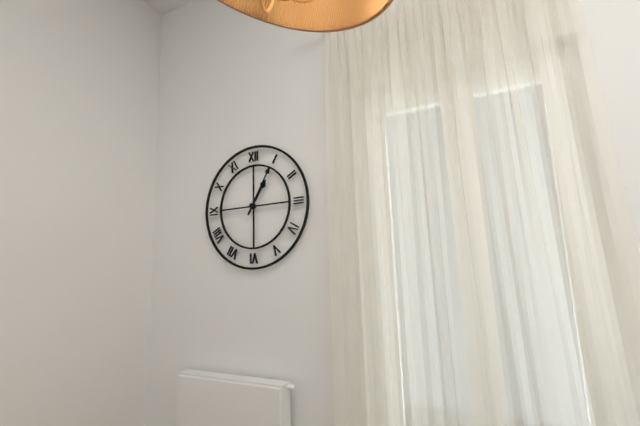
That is **1:05**
